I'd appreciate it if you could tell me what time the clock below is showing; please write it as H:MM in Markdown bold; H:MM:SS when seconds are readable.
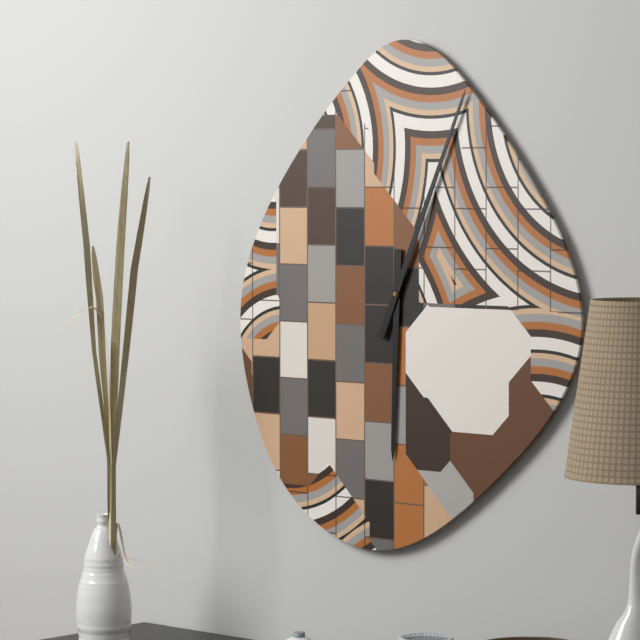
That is **6:04**
